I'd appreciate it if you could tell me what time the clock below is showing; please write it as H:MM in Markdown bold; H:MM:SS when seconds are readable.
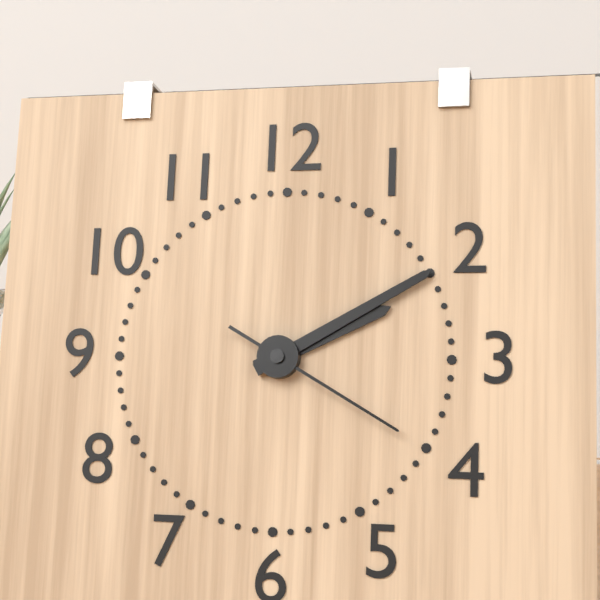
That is **2:10:20**
